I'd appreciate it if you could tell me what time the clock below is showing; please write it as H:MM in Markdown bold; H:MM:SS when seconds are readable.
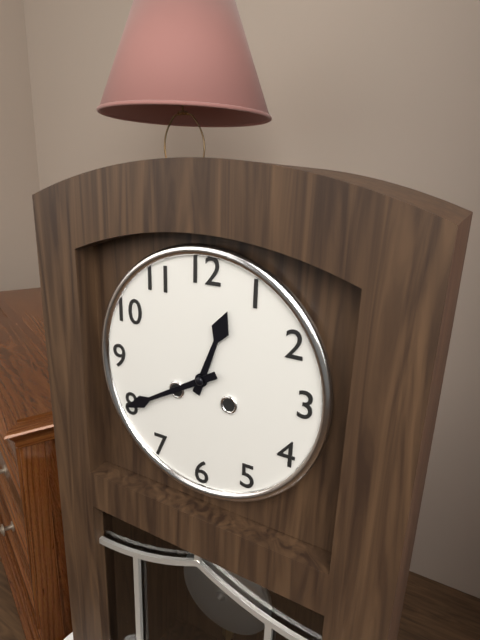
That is **12:40**
